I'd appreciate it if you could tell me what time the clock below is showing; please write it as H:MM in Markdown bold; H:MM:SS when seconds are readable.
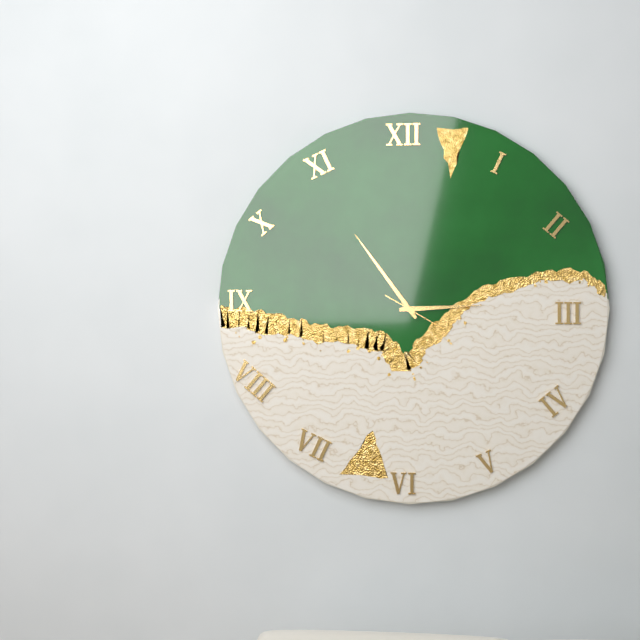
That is **2:54:20**
